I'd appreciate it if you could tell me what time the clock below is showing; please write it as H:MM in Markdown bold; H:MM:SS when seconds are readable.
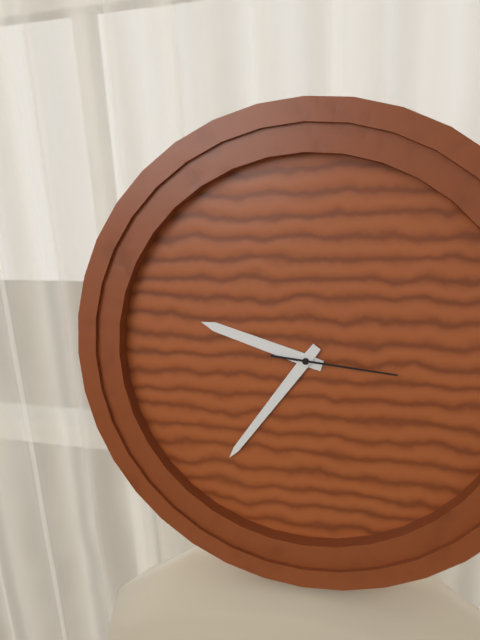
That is **9:36:16**
